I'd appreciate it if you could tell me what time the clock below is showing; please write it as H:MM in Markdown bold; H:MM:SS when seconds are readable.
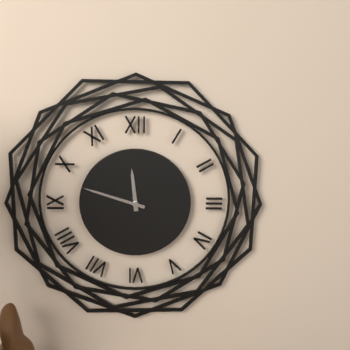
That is **11:48**
